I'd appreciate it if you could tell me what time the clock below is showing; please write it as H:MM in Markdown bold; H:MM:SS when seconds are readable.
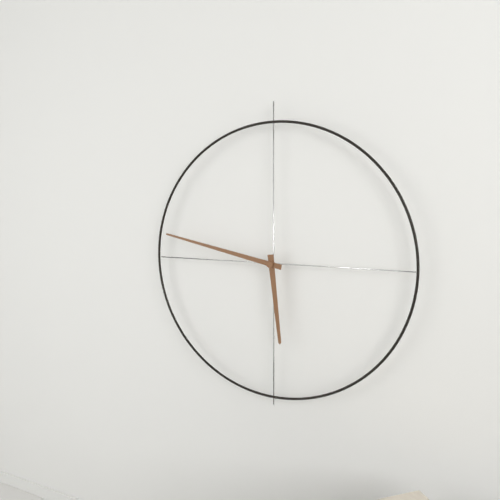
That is **5:47**
